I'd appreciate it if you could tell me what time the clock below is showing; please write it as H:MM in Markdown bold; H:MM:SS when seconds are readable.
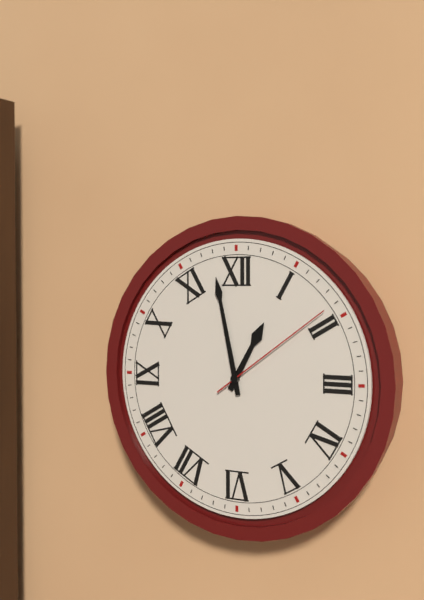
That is **12:58:09**
